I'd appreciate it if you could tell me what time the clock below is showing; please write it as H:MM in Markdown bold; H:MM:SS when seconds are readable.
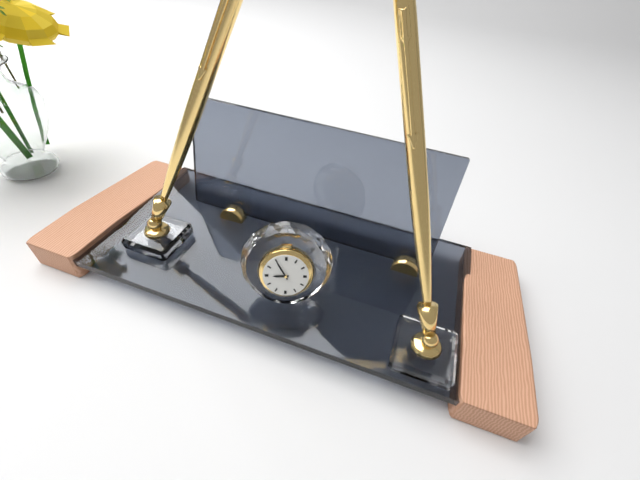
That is **8:55**
